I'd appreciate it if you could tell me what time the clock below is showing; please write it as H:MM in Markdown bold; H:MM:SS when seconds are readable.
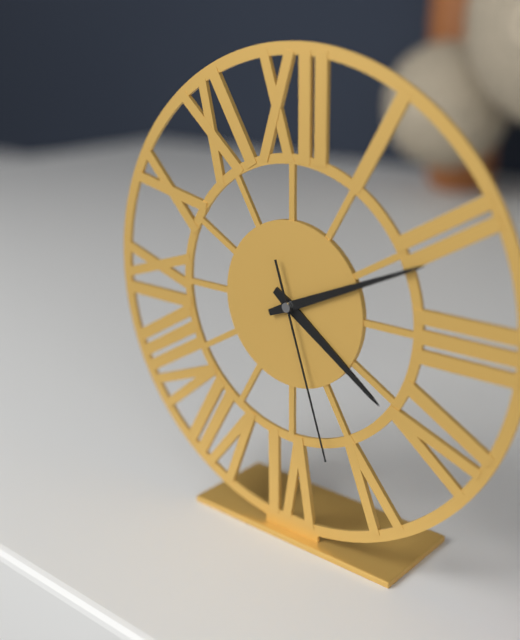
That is **4:11:27**
